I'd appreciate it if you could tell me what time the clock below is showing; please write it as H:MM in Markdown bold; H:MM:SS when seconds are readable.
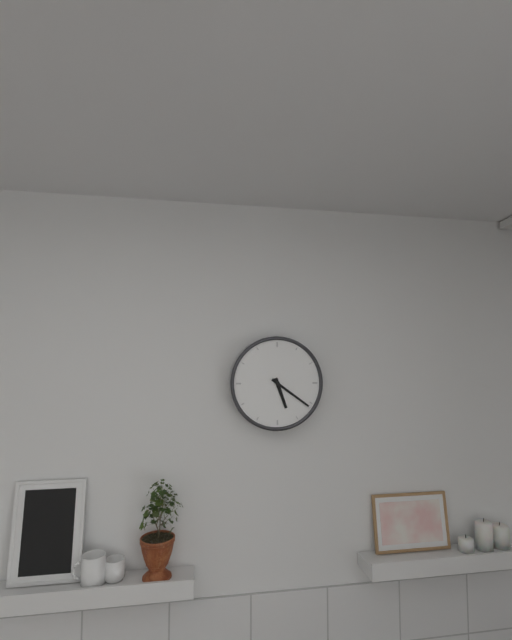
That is **5:21**
